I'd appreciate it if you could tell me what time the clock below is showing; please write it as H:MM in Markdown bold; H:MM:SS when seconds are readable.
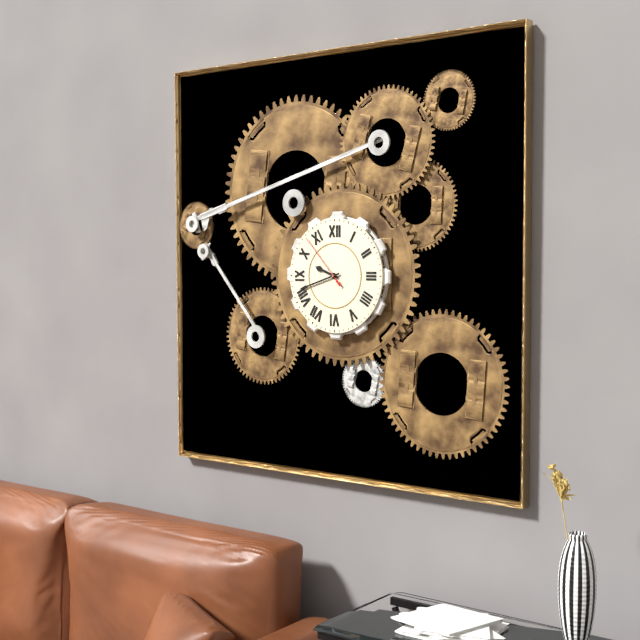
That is **9:42:53**
